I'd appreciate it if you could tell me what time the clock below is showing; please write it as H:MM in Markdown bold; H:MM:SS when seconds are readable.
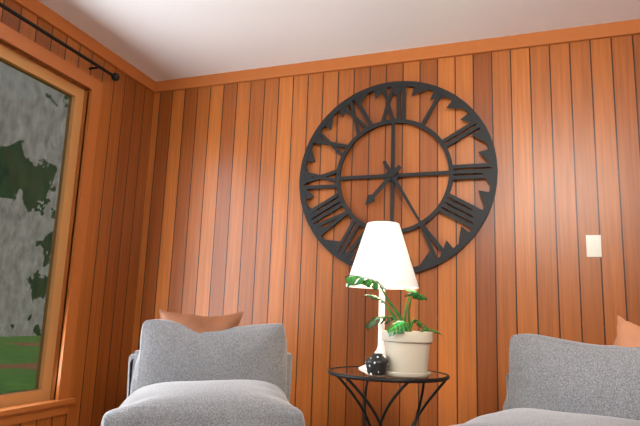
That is **7:25**
